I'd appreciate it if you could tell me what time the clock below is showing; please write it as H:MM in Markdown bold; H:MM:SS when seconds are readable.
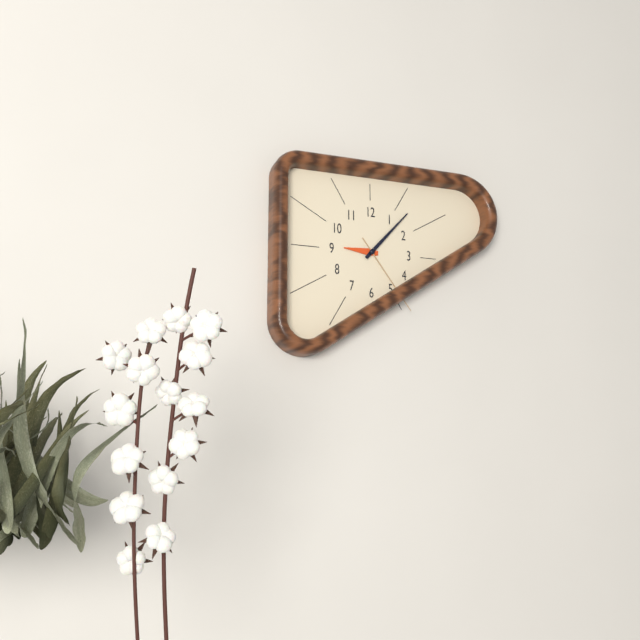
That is **9:07:24**
